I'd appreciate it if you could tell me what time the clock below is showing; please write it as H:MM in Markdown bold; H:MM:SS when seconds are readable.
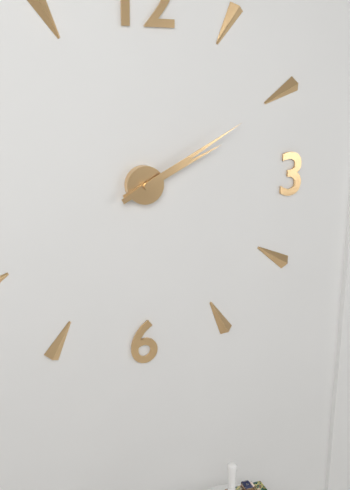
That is **2:10**
